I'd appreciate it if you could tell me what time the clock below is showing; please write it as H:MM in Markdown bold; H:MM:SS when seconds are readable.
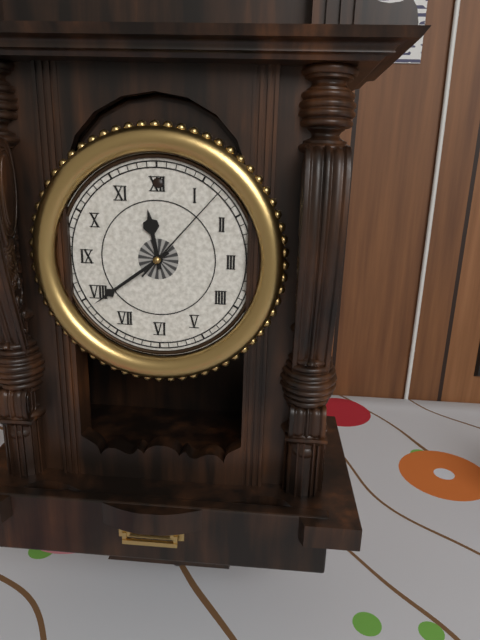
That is **11:39:07**
